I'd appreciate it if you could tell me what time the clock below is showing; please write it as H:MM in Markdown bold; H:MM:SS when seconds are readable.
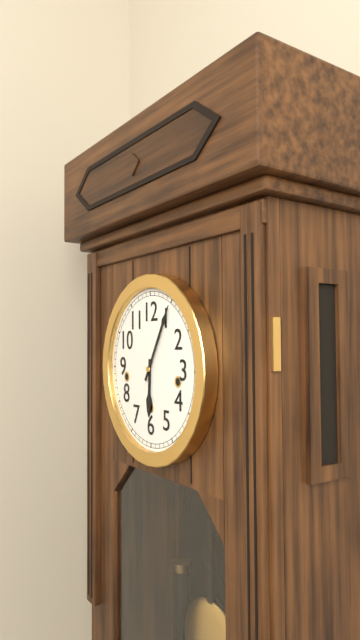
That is **6:05**
